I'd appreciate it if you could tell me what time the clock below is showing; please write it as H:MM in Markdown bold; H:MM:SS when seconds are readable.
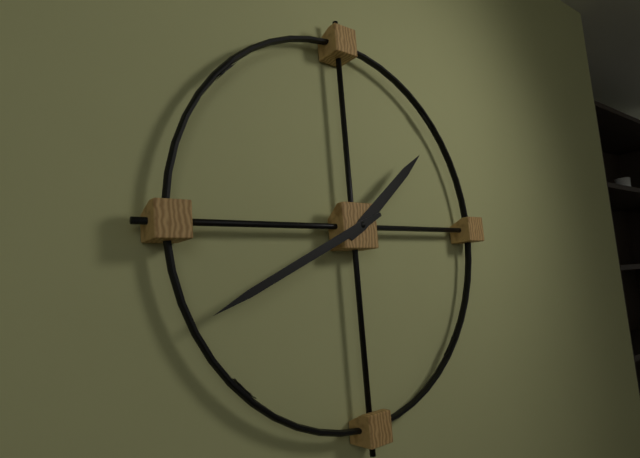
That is **1:41**
